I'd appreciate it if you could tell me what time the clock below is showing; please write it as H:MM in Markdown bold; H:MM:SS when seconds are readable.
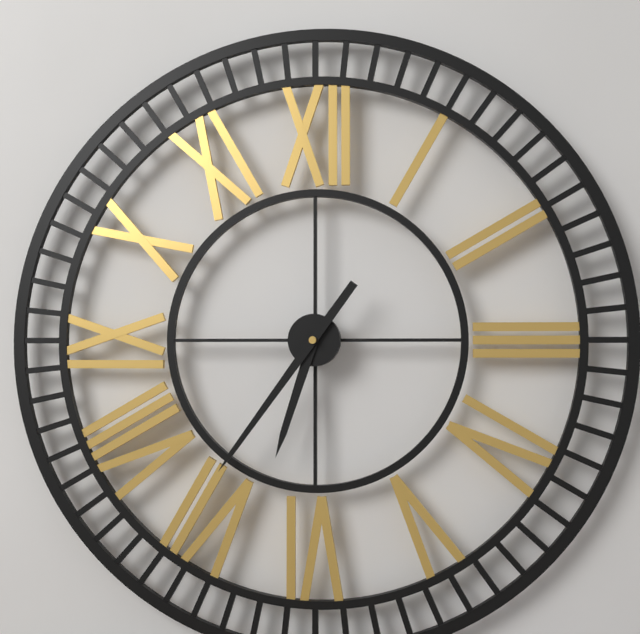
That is **6:36**
